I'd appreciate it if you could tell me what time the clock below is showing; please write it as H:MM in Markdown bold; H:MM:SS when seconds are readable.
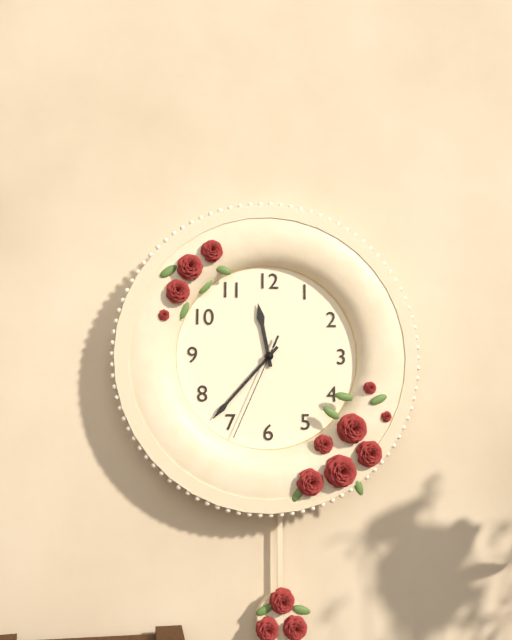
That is **11:37:34**
